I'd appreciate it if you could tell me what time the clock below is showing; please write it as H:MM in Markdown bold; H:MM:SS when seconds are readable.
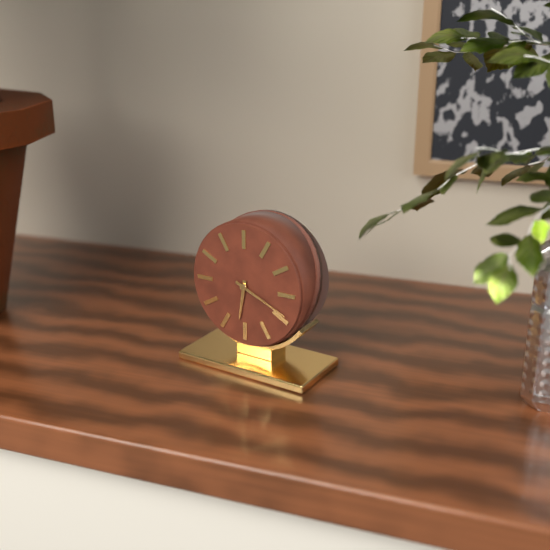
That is **6:19**
